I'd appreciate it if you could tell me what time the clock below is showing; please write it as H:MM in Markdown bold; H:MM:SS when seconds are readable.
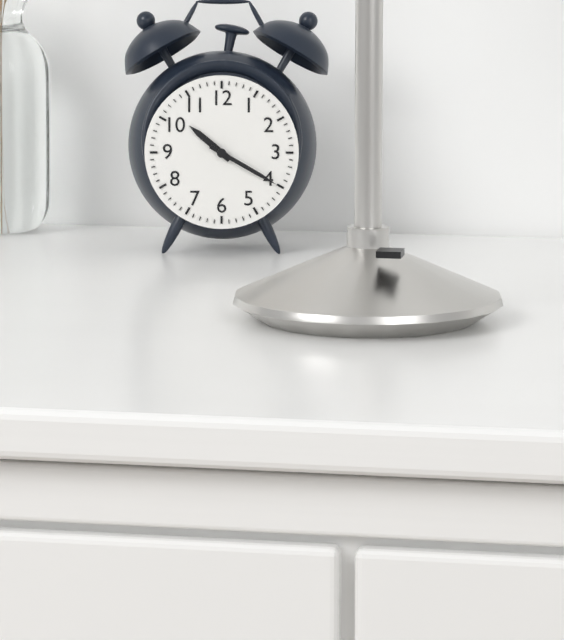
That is **10:20**
